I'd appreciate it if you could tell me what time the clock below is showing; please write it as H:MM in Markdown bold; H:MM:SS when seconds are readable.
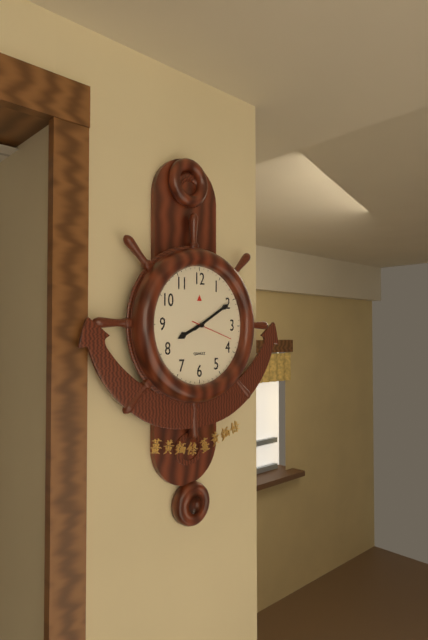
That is **8:10**
